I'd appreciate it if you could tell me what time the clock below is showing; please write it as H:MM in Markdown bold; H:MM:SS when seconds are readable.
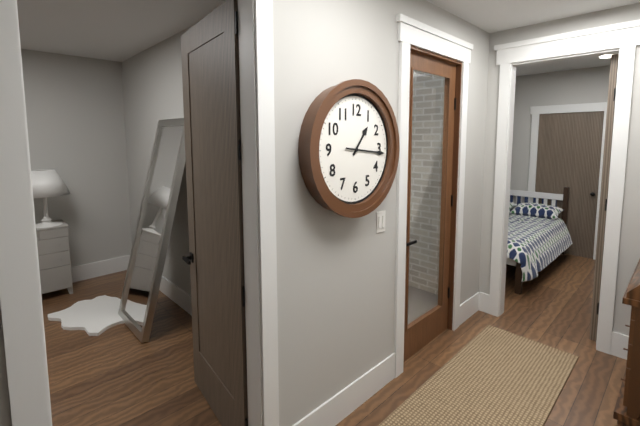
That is **1:16**
